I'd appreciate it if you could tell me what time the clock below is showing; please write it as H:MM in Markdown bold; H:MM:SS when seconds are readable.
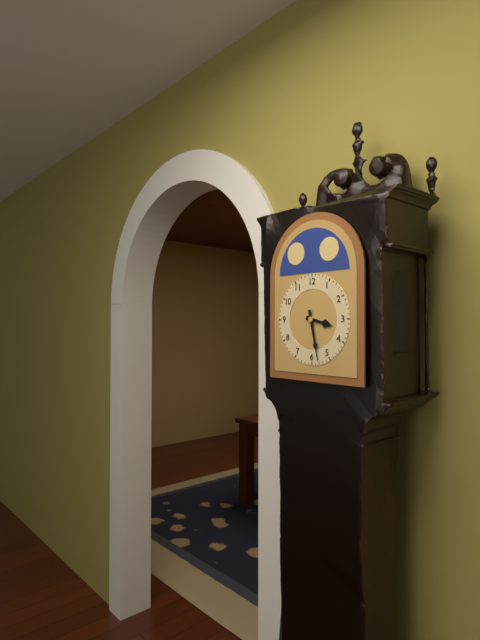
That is **3:28**
